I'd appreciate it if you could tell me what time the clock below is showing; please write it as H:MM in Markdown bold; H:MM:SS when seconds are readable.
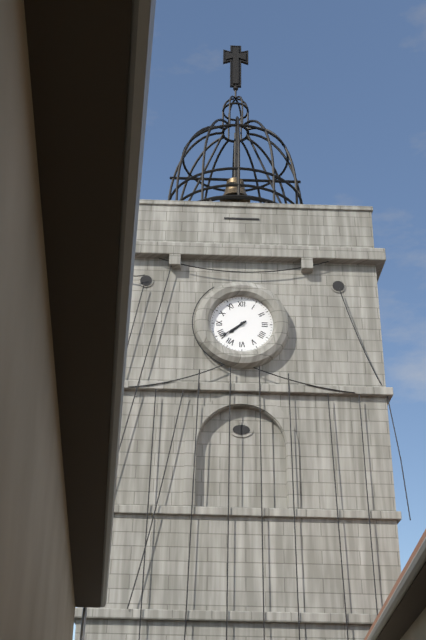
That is **7:39**
